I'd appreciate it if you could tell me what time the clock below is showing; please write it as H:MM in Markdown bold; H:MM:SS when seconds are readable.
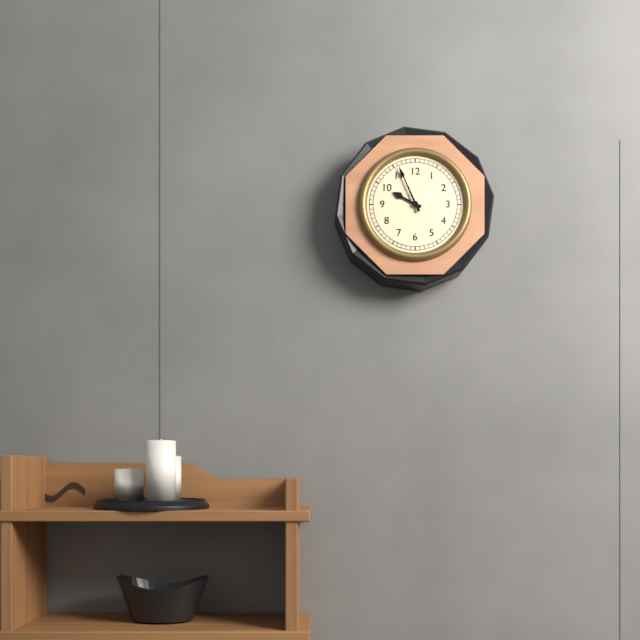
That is **9:56**
